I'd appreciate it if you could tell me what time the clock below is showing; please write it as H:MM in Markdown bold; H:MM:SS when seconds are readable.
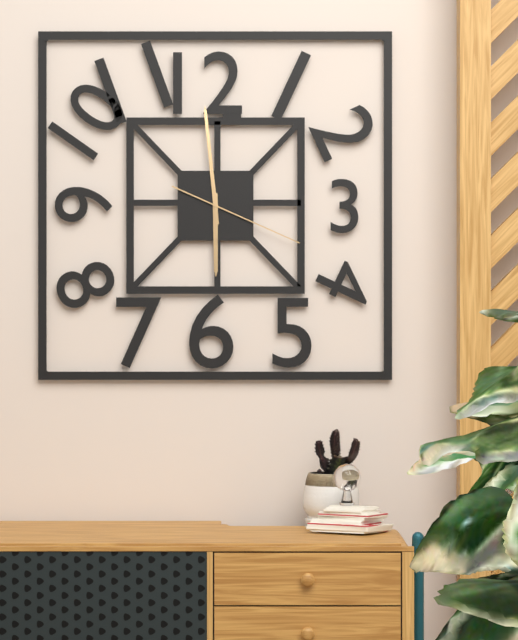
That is **5:59:19**
